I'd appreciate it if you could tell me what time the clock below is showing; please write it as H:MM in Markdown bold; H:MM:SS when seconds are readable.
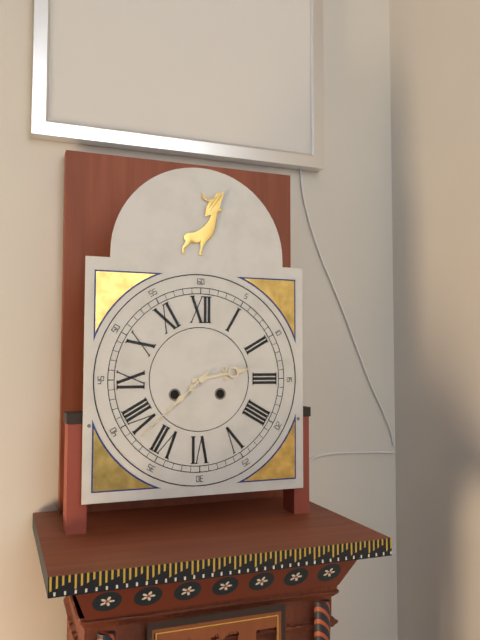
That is **2:38**
